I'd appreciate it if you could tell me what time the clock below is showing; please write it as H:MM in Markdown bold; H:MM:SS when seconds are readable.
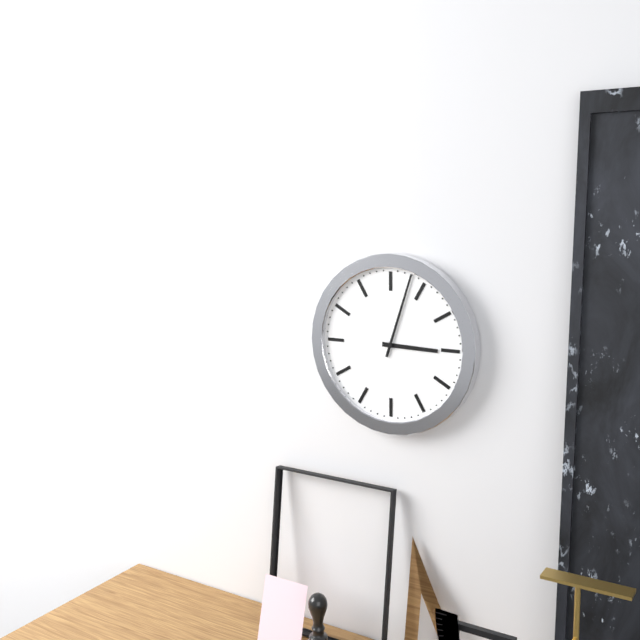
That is **3:03**
